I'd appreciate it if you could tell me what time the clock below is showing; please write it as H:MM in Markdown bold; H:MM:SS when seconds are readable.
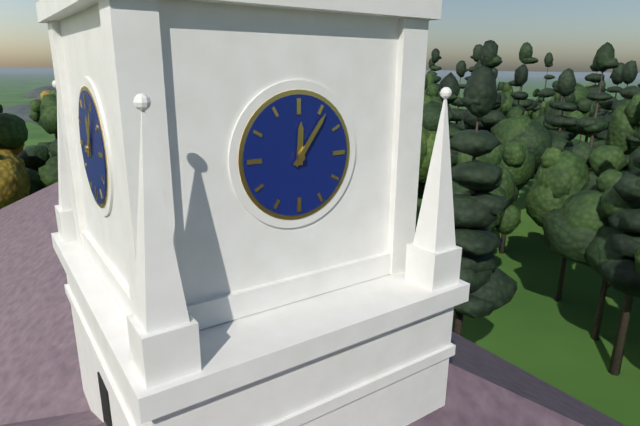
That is **12:06**
